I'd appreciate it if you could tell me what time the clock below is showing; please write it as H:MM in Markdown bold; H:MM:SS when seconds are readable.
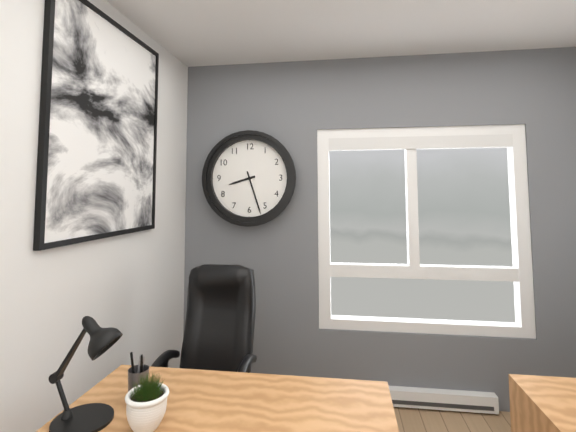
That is **8:27**
